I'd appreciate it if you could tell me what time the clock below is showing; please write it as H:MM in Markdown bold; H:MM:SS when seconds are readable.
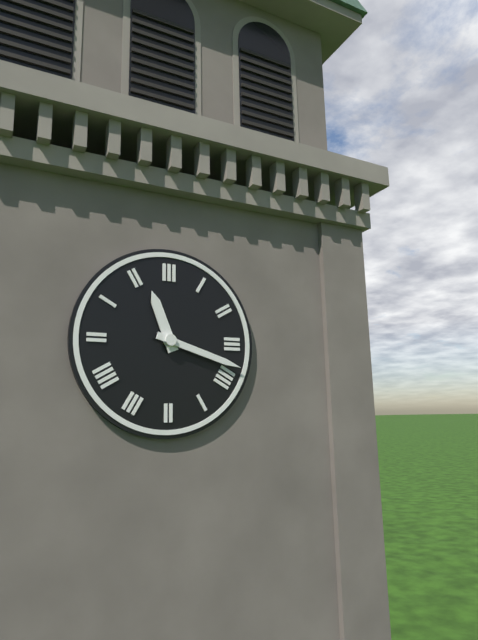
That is **11:18**
